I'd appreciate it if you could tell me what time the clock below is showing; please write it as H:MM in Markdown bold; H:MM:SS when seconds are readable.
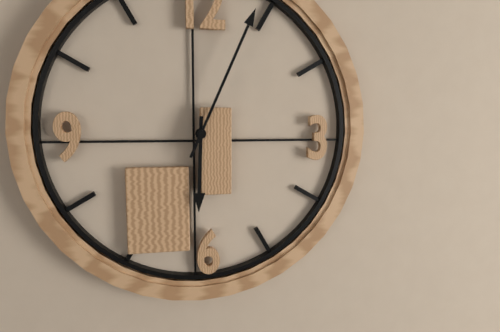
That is **6:04**
